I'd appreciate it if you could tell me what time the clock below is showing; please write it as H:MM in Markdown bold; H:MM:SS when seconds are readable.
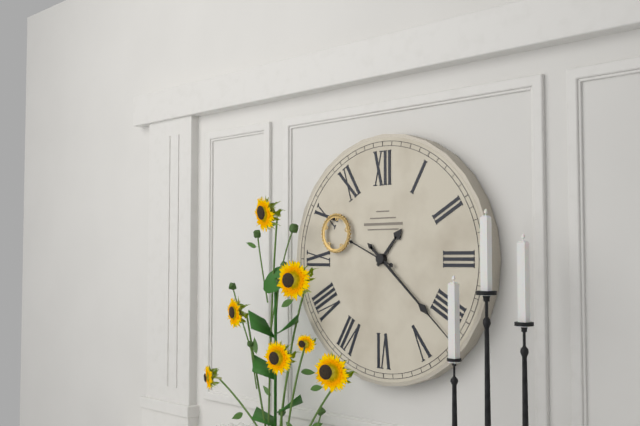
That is **1:22:49**
